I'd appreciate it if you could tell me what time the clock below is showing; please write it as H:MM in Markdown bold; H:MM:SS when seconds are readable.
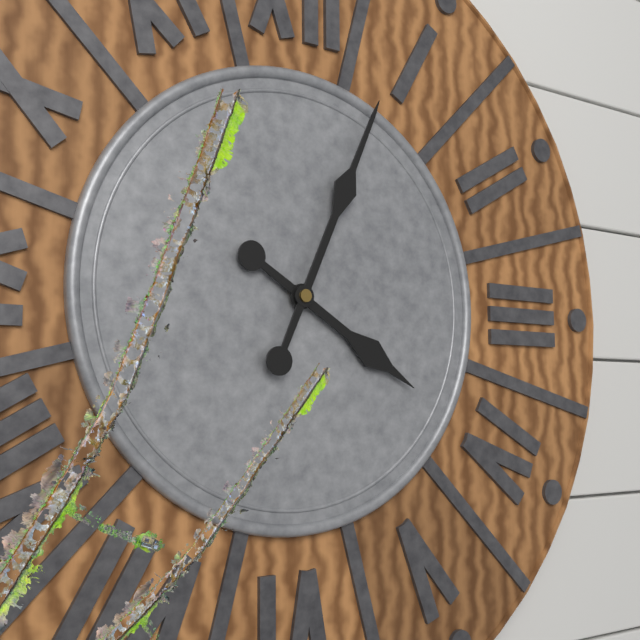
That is **4:04**
